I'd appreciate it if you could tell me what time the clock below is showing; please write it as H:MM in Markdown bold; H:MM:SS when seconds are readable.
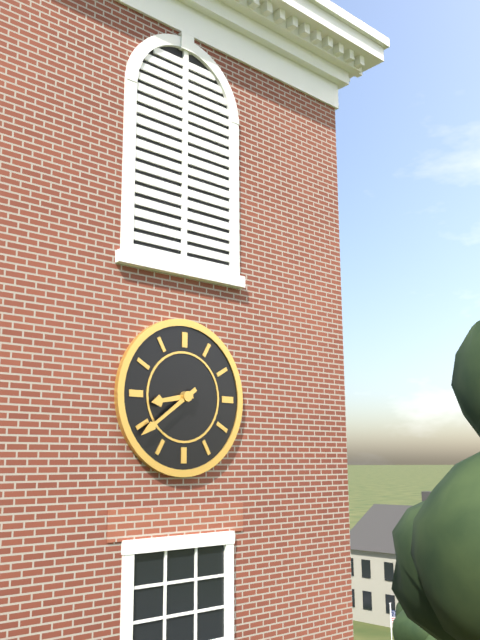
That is **8:39**
